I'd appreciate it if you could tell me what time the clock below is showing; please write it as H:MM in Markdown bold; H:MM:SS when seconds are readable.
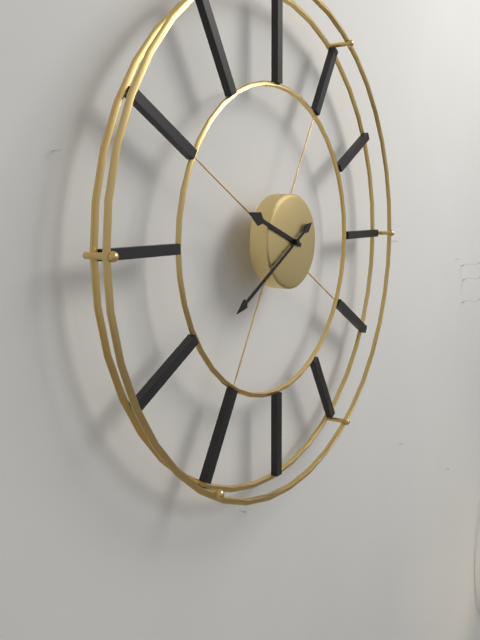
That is **9:40**
